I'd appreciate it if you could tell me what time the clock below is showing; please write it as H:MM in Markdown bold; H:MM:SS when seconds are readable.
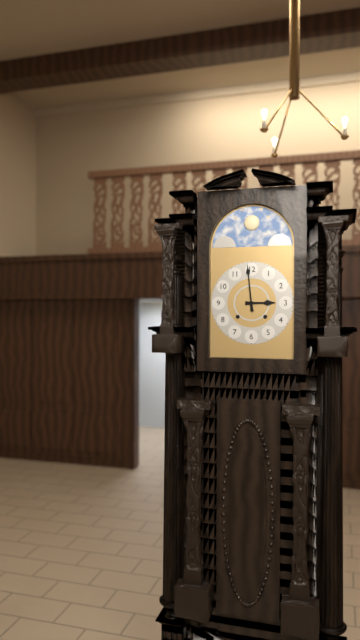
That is **2:59**
